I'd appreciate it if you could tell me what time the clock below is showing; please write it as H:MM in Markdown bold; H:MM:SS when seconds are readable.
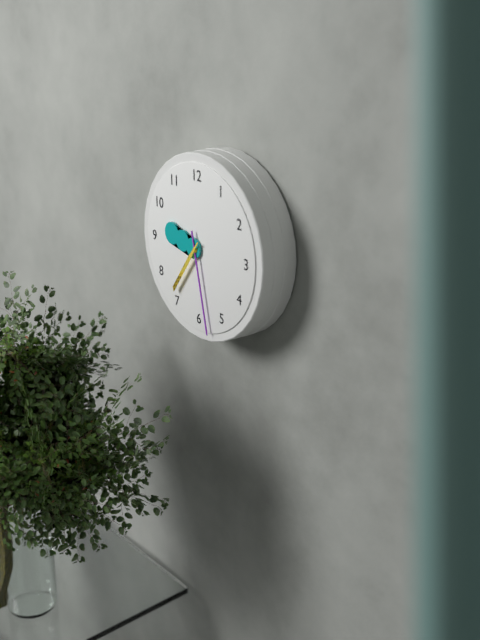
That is **9:28:36**
